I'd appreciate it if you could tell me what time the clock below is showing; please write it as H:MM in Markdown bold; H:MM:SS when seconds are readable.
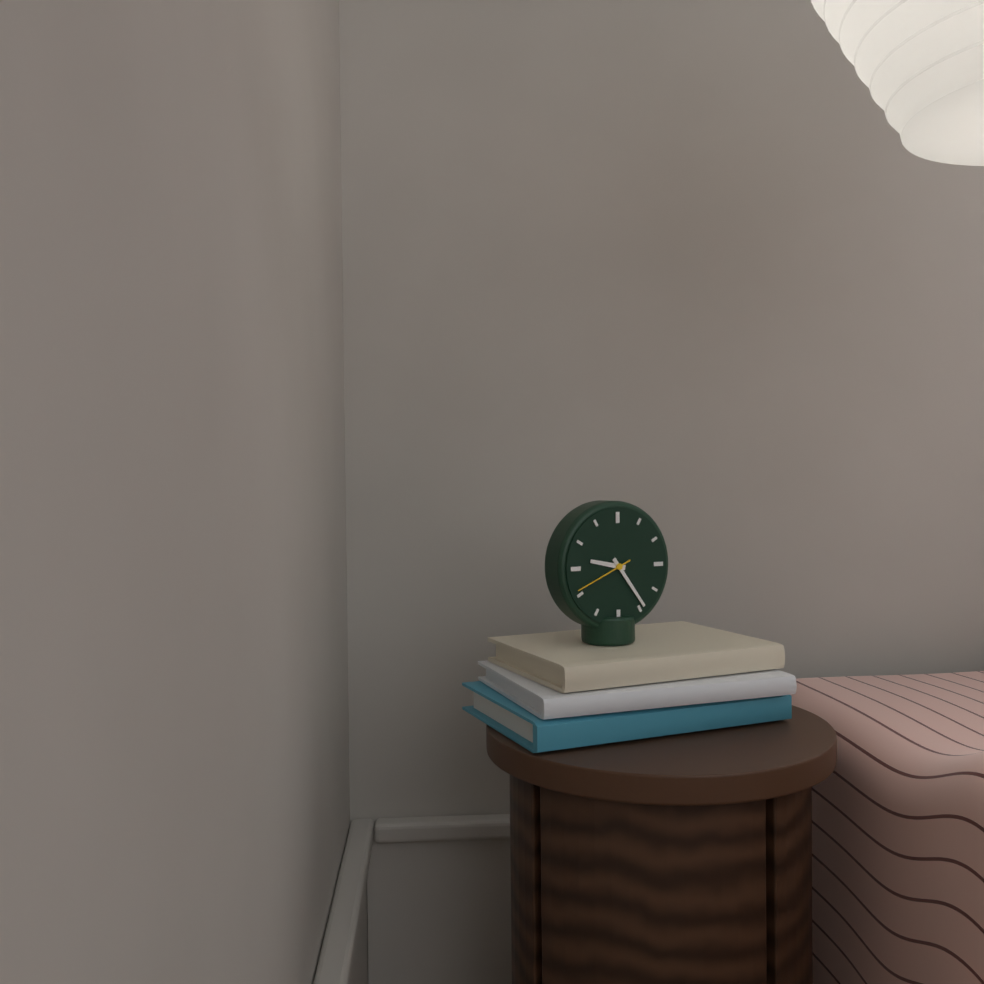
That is **9:24**
